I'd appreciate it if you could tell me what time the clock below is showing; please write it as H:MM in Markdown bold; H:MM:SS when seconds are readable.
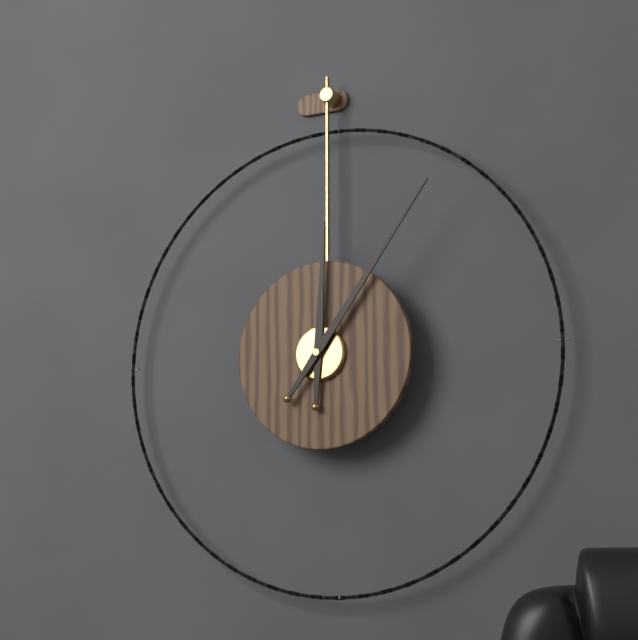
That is **12:06**
